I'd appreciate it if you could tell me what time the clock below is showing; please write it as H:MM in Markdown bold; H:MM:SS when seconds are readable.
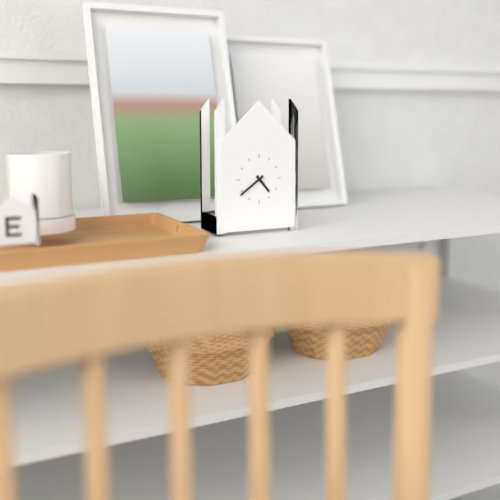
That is **4:39**
